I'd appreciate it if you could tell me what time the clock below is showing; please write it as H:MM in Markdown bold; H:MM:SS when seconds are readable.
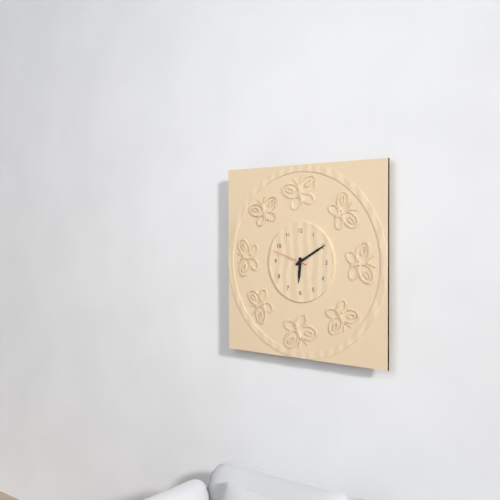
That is **6:10**
